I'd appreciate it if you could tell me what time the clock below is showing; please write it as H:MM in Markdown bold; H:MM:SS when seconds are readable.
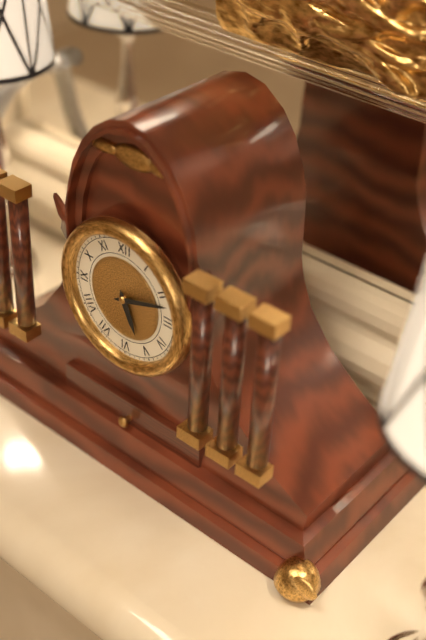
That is **5:12**
